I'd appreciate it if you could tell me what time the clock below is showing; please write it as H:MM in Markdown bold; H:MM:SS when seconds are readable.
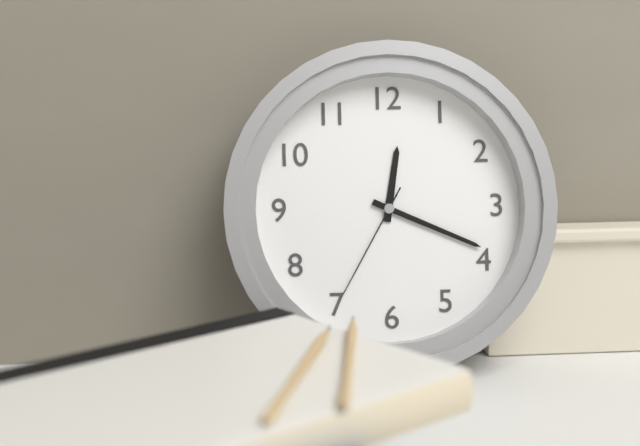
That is **12:19:35**
